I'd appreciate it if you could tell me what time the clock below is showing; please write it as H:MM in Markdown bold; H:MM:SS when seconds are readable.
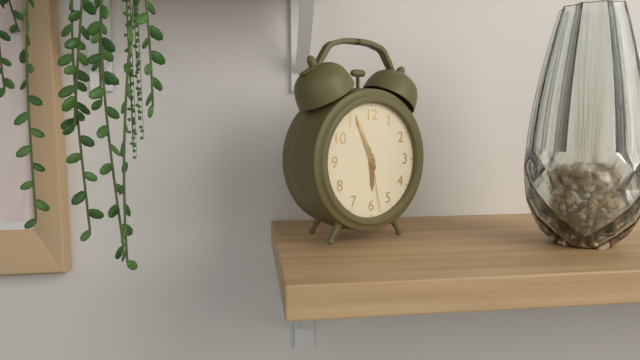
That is **5:56:28**
